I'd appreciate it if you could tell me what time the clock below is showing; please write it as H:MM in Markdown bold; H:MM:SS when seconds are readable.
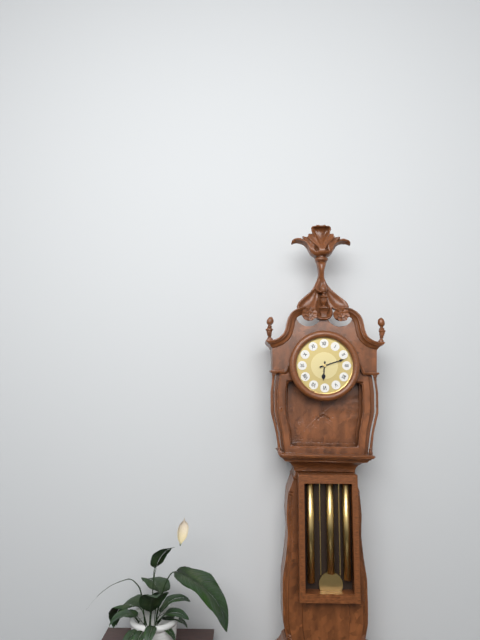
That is **6:12**
